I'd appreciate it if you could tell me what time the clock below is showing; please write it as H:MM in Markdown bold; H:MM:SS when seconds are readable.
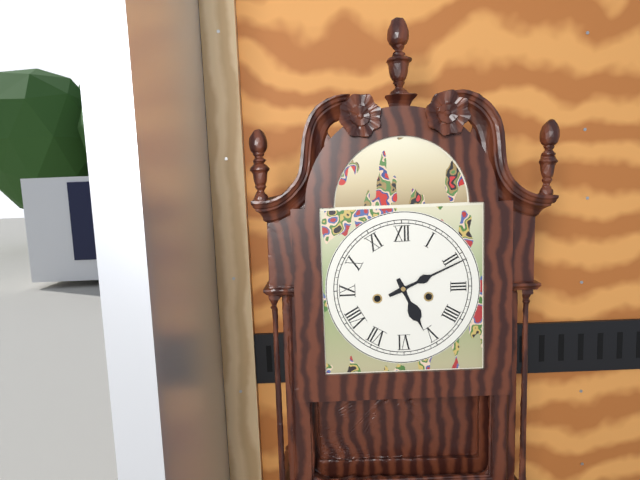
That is **5:11**
